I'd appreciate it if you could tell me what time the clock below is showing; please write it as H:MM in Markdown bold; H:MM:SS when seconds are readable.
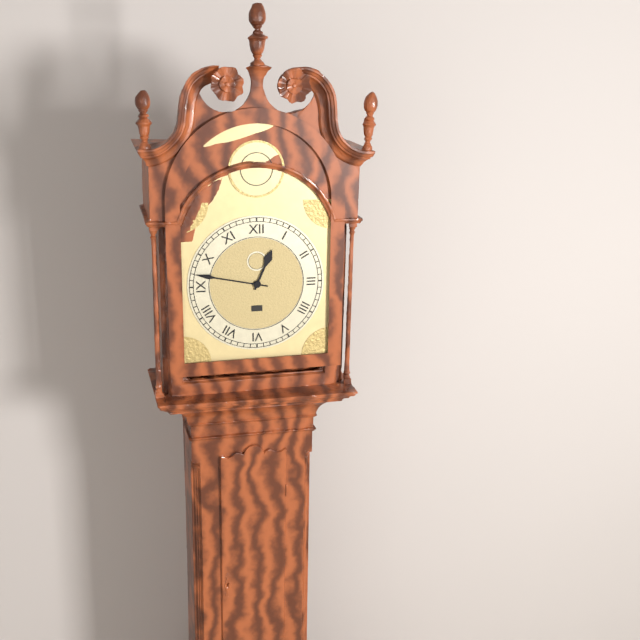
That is **12:47**
